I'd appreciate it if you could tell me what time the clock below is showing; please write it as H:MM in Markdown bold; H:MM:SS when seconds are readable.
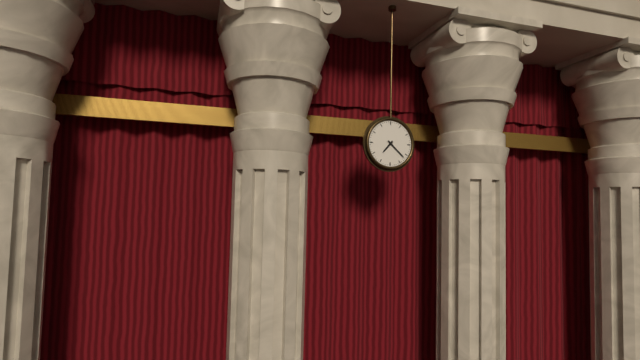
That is **7:22**
